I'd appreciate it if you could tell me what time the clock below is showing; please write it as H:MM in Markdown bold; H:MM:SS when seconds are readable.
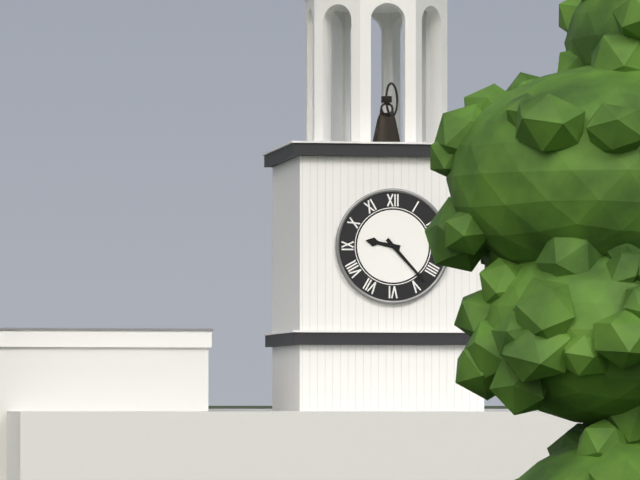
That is **9:23**
